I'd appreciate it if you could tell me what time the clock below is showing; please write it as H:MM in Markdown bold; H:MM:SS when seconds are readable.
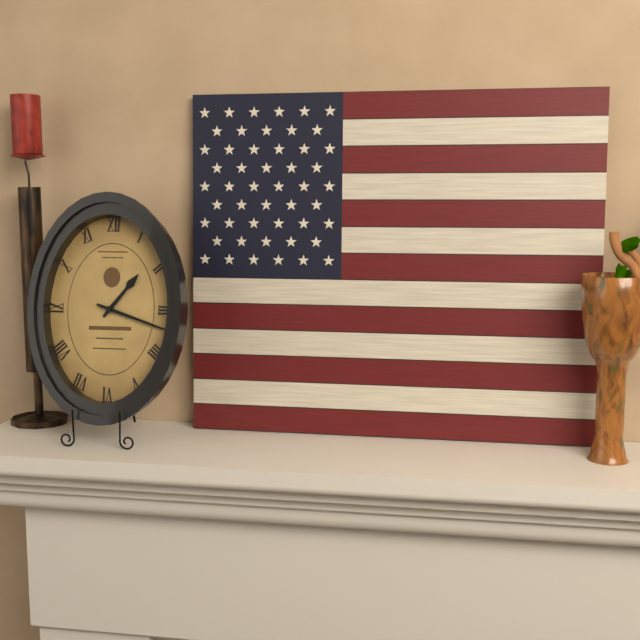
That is **1:18**
